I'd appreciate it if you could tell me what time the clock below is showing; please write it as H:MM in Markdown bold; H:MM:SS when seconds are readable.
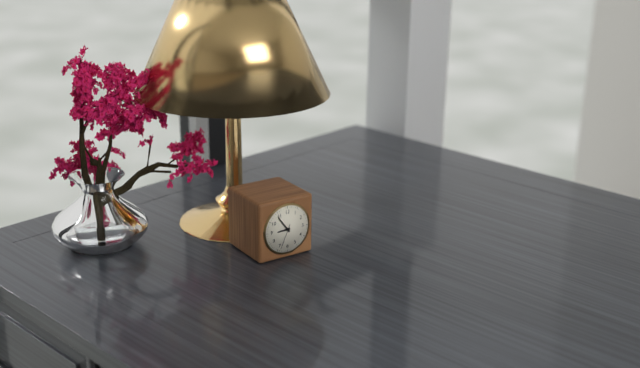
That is **8:54**
